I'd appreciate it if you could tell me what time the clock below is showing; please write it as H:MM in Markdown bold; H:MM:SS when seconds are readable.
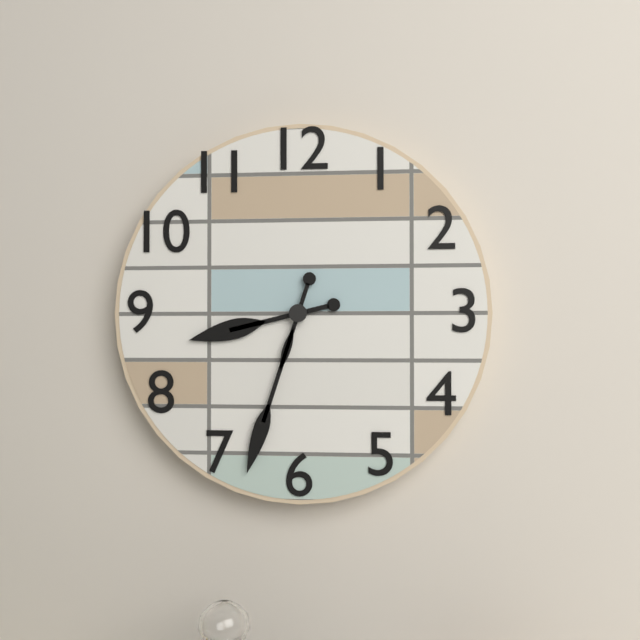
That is **8:33**
